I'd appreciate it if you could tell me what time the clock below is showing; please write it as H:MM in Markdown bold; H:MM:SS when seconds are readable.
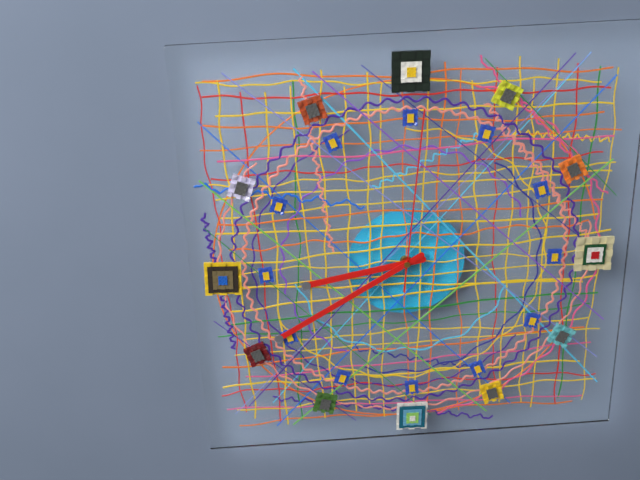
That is **8:40:01**
